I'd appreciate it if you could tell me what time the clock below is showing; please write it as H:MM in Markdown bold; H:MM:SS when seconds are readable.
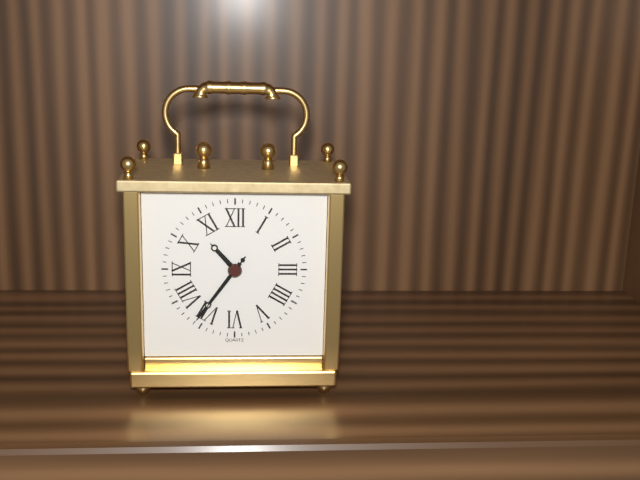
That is **10:36:36**
